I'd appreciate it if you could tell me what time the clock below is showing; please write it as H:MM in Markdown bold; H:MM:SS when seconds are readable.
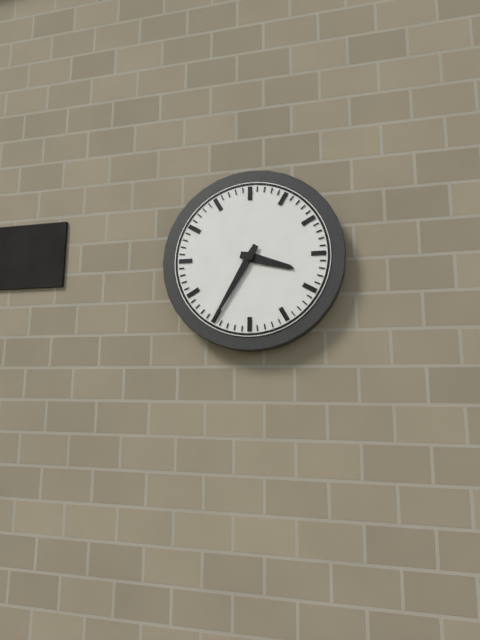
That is **3:35**
